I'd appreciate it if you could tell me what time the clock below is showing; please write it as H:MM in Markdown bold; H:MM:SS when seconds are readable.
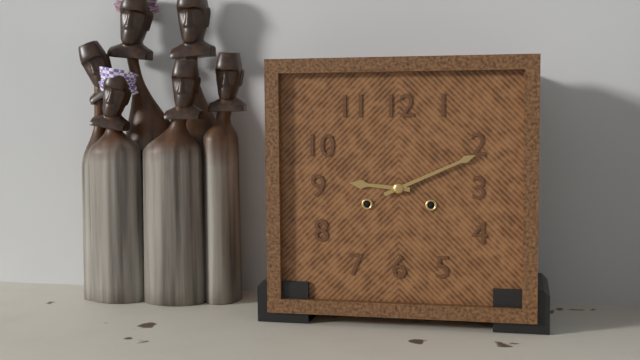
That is **9:11**
